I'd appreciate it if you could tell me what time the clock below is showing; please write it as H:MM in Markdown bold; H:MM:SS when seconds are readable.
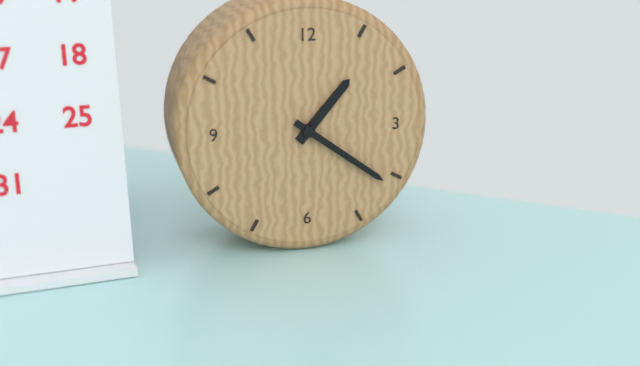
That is **1:21**
